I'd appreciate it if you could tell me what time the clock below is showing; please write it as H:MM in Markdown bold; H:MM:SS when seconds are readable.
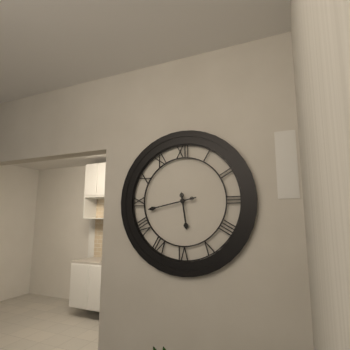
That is **5:43**
